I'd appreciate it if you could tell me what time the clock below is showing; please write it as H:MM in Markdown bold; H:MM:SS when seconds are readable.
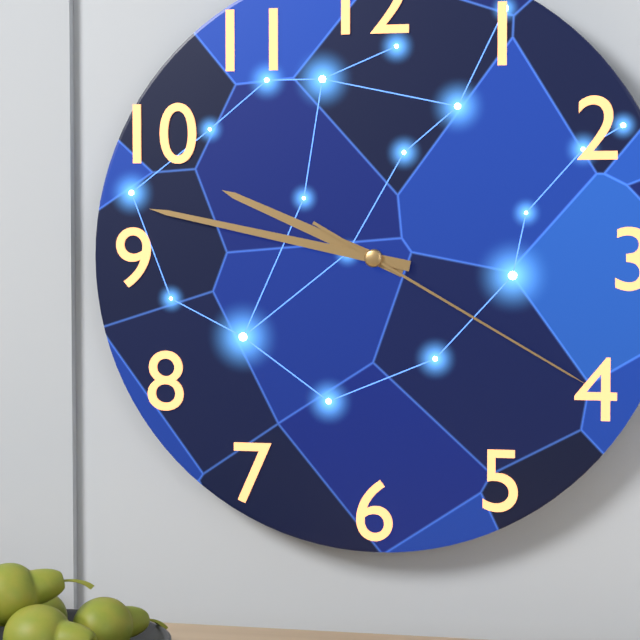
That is **9:47:20**
